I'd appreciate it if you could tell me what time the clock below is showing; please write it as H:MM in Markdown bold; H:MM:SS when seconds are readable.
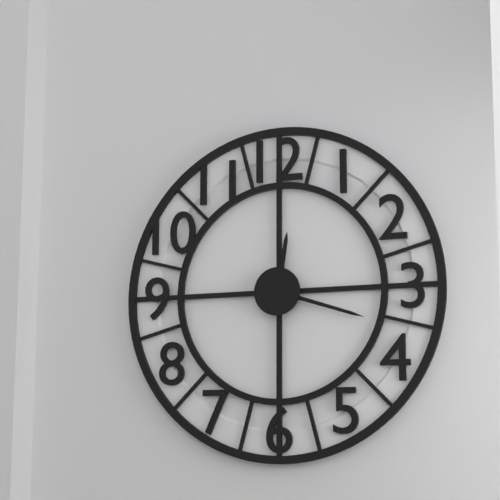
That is **12:18**
